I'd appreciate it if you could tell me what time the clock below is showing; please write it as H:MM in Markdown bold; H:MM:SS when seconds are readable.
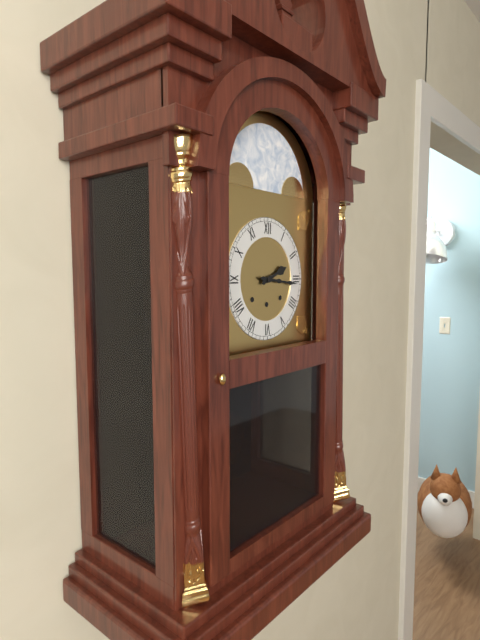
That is **2:16**
